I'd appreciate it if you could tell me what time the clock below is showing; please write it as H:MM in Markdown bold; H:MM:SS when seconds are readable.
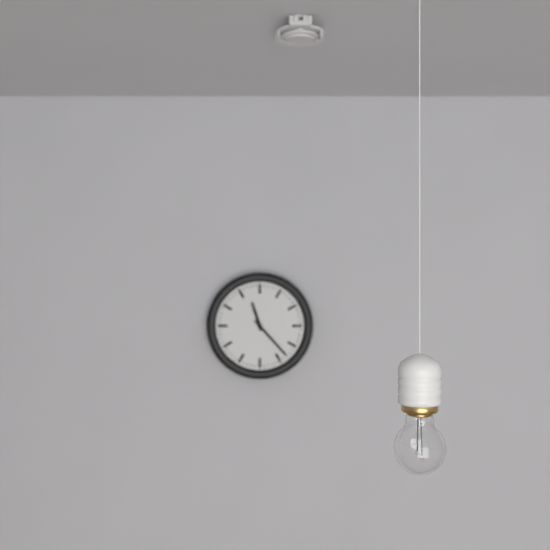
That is **11:23**
